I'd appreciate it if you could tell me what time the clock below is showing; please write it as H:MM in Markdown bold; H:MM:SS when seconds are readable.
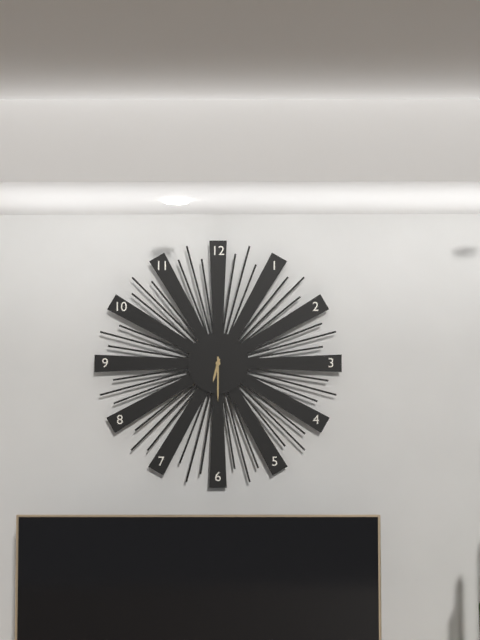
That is **6:30**
